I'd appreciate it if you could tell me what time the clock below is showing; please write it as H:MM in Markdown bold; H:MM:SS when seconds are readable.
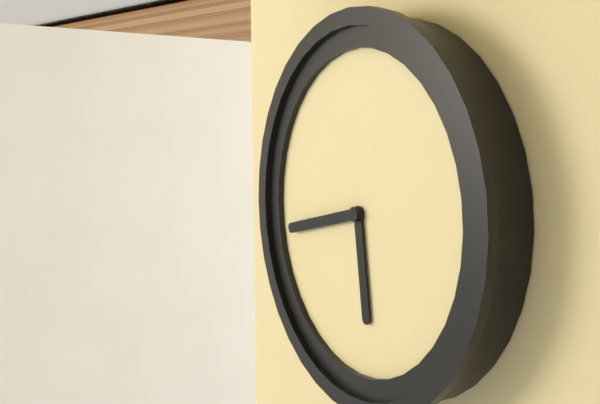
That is **5:43**
